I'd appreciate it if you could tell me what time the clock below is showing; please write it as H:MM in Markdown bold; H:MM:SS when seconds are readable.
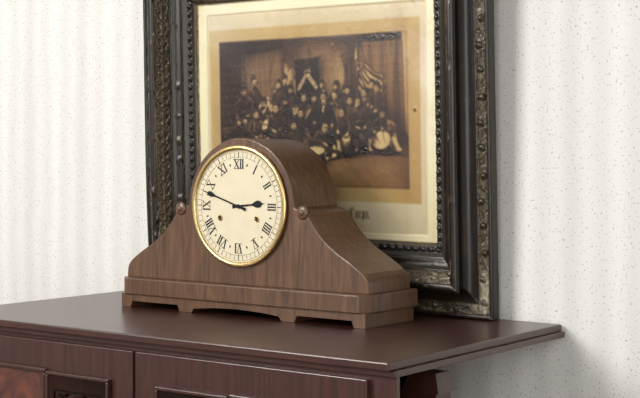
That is **2:48**
